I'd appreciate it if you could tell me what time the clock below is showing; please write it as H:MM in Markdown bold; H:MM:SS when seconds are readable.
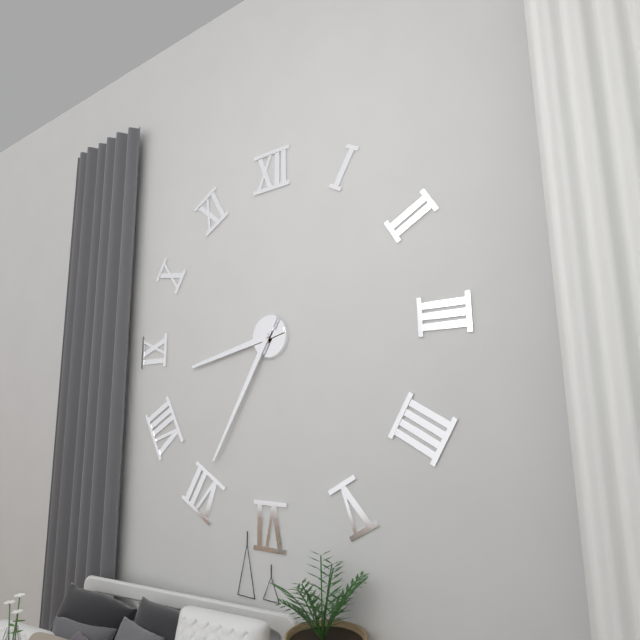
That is **8:35**
